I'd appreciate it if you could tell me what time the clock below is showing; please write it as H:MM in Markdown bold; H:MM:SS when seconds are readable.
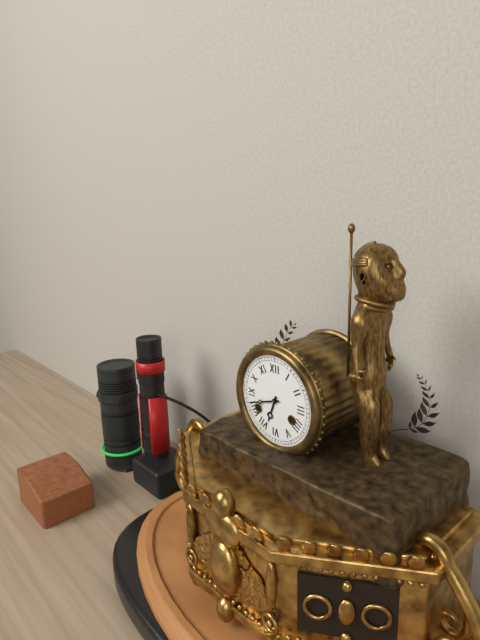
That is **6:42**
